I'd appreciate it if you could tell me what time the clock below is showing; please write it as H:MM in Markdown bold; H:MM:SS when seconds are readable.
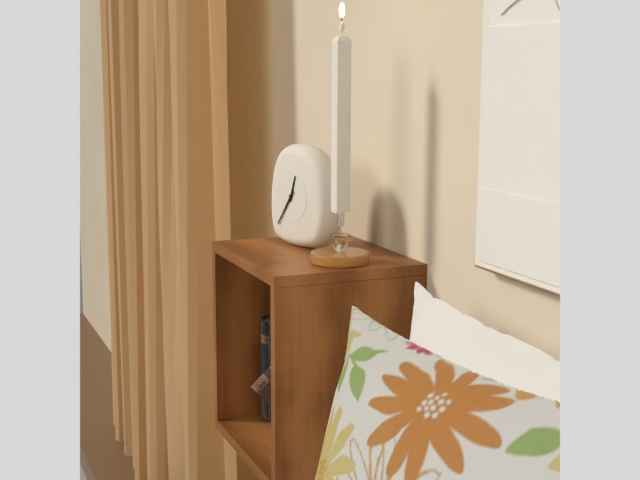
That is **12:36**
